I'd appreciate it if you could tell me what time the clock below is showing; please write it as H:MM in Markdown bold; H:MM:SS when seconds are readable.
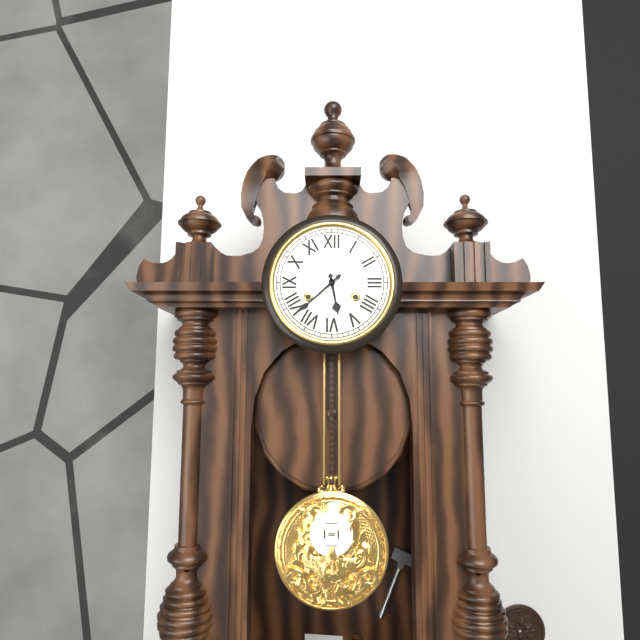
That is **5:38**
